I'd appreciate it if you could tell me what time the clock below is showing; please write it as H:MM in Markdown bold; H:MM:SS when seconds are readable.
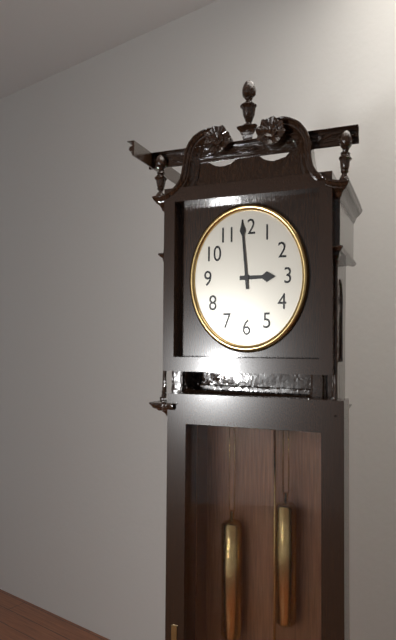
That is **2:59**
